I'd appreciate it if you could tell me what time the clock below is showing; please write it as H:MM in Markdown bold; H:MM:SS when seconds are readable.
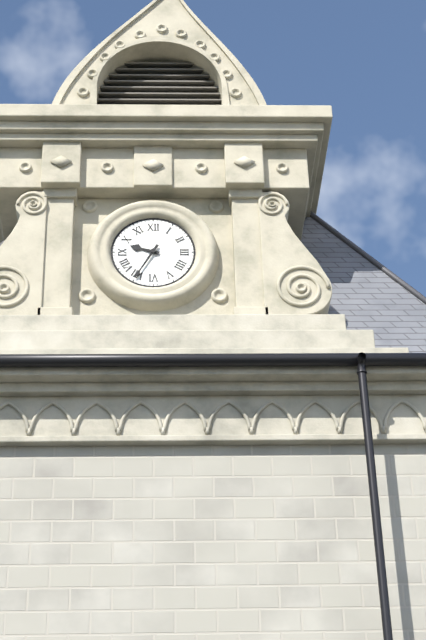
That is **9:35**
